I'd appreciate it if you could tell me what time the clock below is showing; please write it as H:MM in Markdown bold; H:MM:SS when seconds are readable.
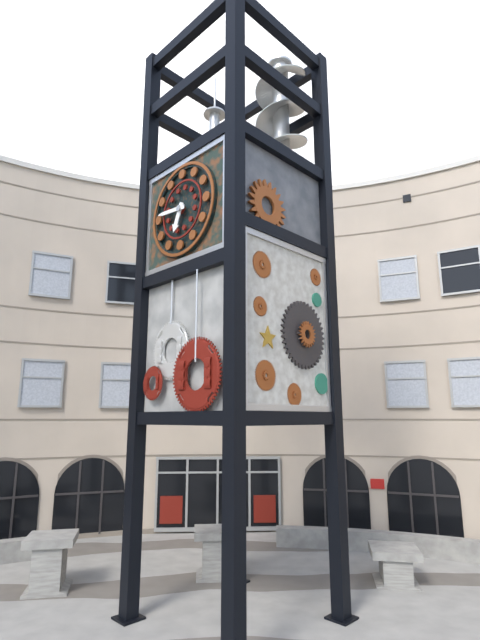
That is **6:46**
